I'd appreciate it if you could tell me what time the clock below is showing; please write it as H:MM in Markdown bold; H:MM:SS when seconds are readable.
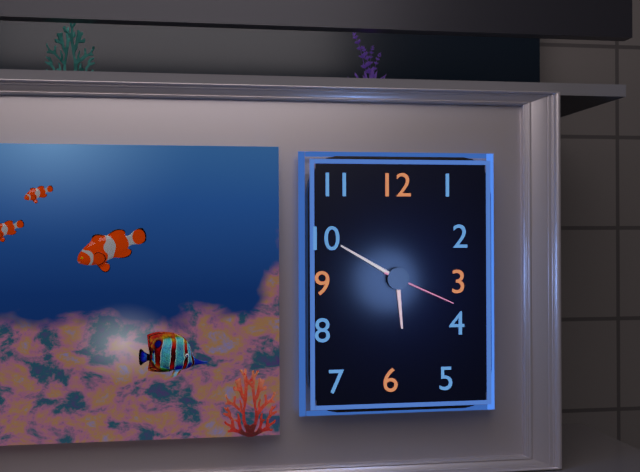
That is **5:50:19**
